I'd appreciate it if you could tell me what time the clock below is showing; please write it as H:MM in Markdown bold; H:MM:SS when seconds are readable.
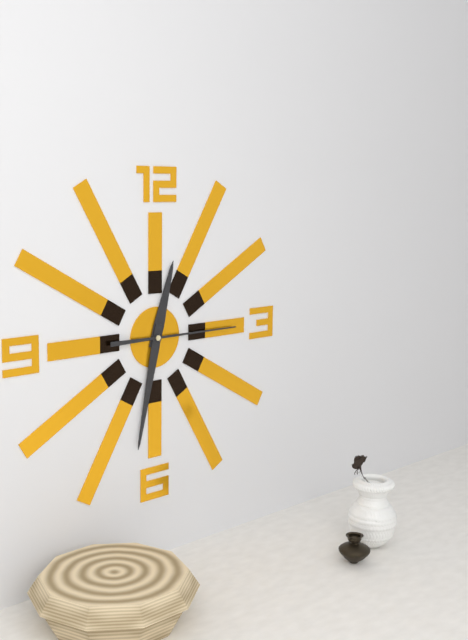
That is **12:32:15**
